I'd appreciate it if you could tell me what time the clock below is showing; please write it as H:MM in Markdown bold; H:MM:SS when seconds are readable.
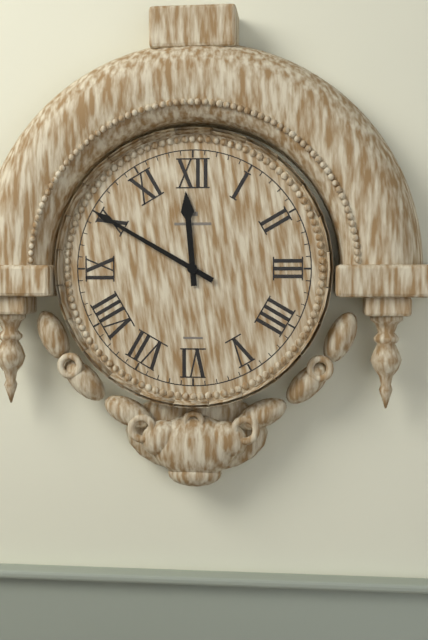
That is **11:50**
